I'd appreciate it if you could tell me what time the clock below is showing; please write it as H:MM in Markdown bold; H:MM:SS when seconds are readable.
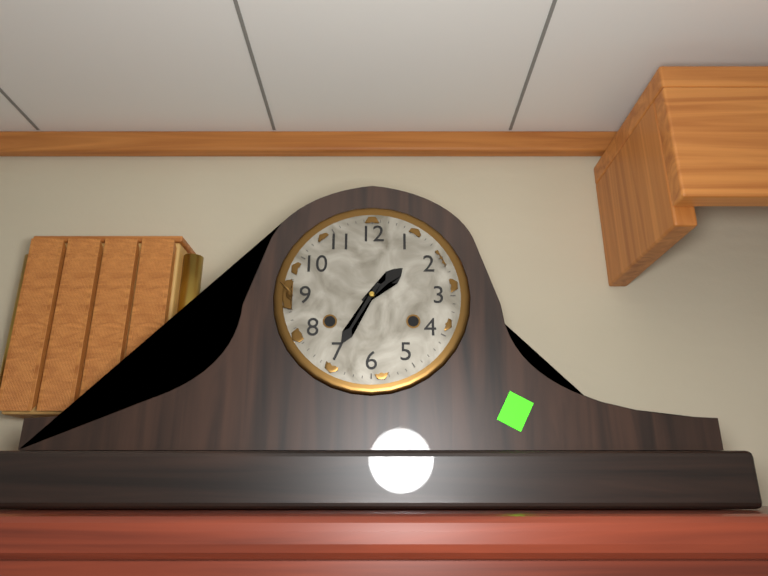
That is **1:35**
